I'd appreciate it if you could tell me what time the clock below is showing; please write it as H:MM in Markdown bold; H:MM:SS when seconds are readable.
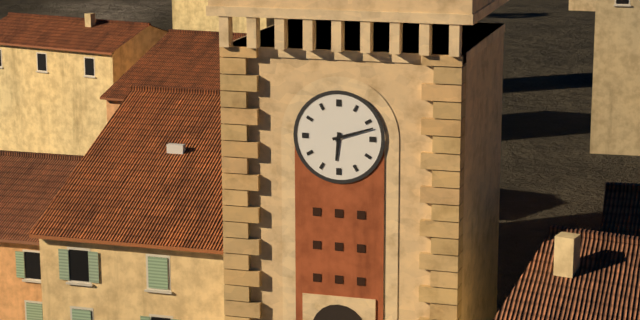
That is **6:12**
